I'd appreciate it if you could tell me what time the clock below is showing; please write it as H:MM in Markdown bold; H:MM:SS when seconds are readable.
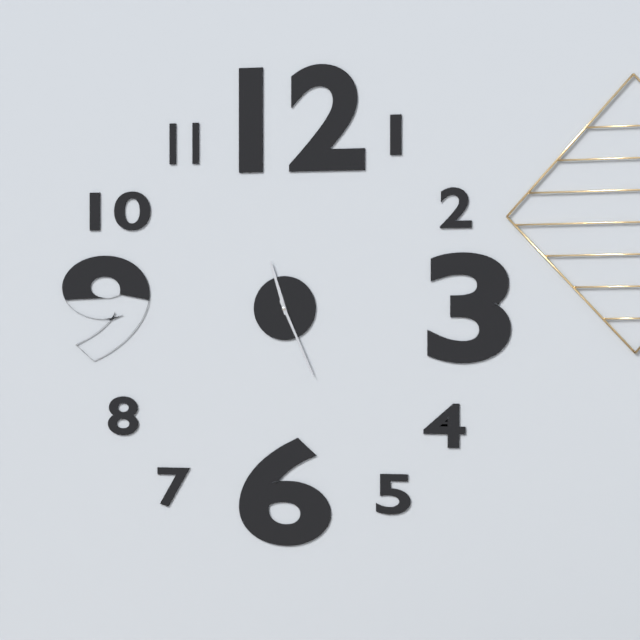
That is **11:26**
